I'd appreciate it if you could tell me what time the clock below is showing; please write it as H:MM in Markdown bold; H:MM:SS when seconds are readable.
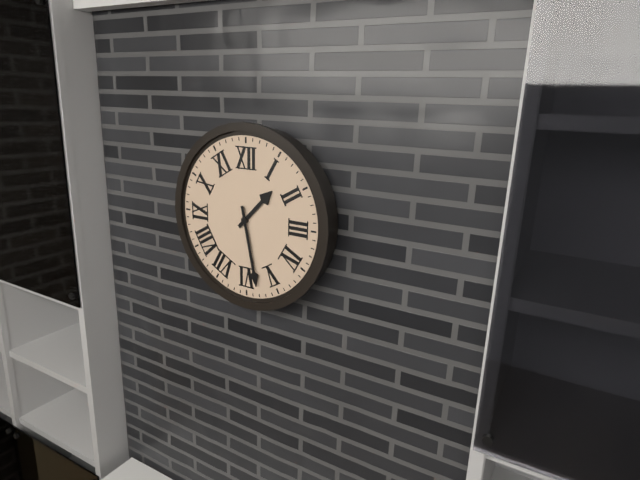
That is **1:28**
